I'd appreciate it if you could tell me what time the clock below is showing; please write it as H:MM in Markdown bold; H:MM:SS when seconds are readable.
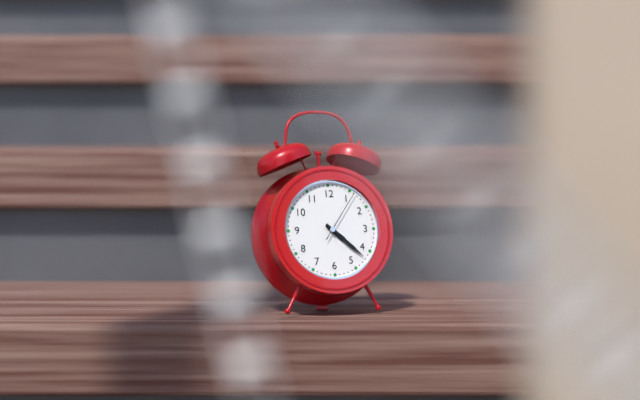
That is **4:22:06**
